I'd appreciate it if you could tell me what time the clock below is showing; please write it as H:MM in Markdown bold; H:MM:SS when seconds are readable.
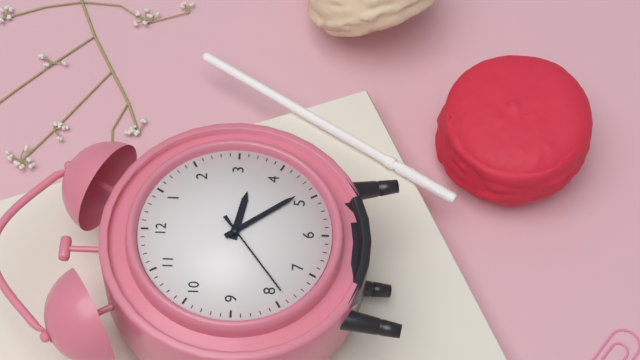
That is **3:24:39**
